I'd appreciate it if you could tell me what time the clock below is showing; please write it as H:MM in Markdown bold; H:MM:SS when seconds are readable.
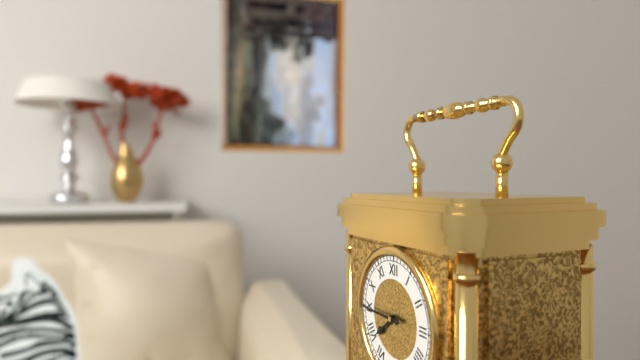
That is **7:45**
